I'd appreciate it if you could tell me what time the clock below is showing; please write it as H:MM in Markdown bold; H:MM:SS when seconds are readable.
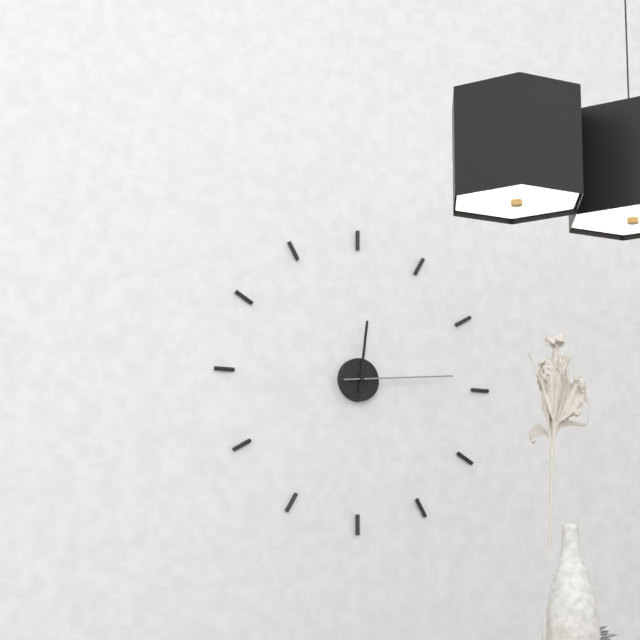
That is **12:14**
